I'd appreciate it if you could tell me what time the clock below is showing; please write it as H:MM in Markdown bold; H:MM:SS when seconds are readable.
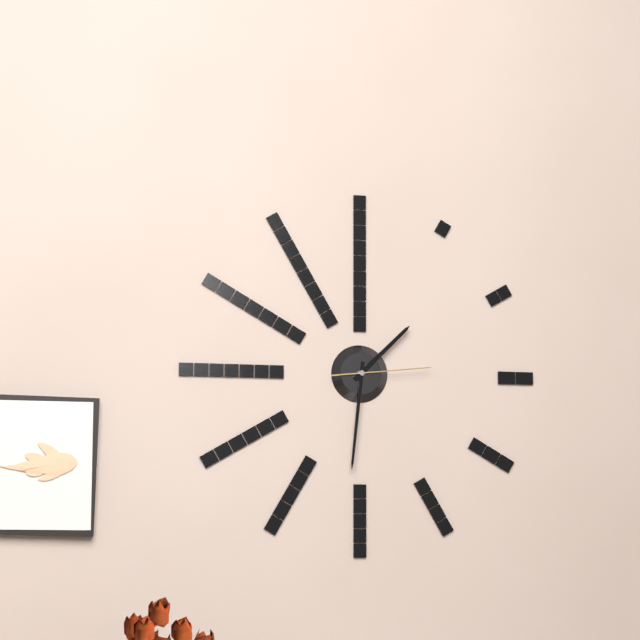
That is **1:31:14**
